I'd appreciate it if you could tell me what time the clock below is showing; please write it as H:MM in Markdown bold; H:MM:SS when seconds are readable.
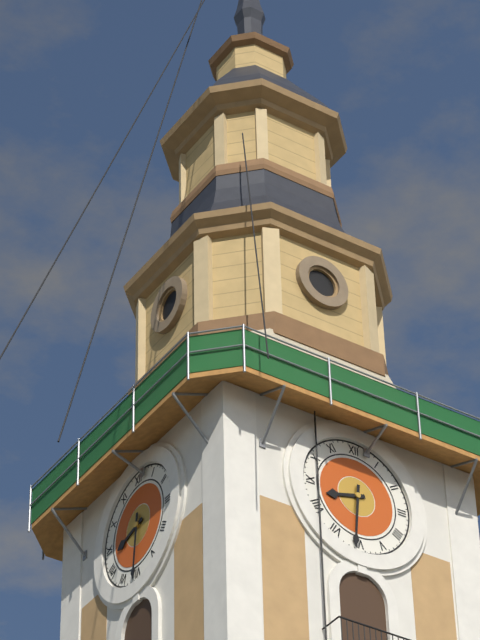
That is **8:31**
